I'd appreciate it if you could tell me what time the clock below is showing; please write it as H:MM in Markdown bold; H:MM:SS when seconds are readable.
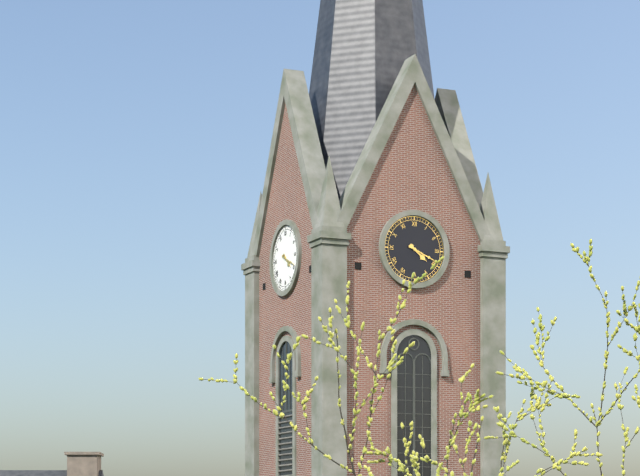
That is **4:19**
